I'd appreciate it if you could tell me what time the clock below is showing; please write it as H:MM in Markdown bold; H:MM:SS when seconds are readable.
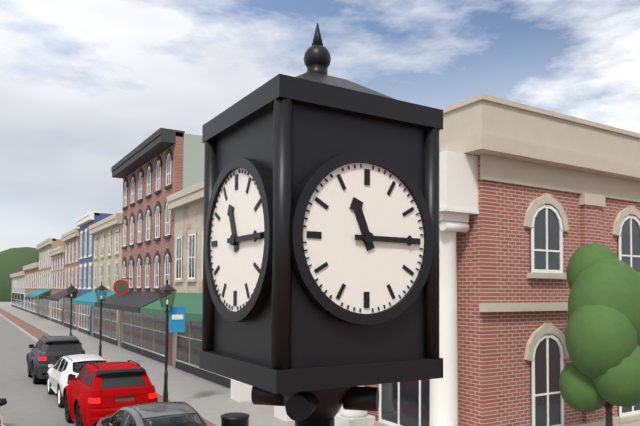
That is **11:15**
